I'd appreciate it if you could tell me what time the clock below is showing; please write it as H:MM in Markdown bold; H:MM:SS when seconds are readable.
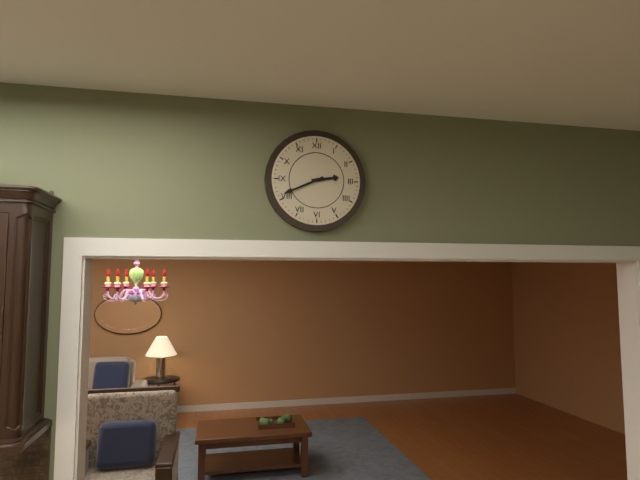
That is **2:41**
